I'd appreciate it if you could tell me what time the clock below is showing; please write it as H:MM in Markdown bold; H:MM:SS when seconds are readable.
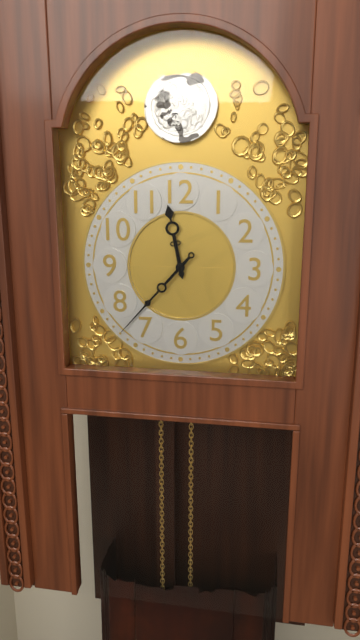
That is **11:37**
